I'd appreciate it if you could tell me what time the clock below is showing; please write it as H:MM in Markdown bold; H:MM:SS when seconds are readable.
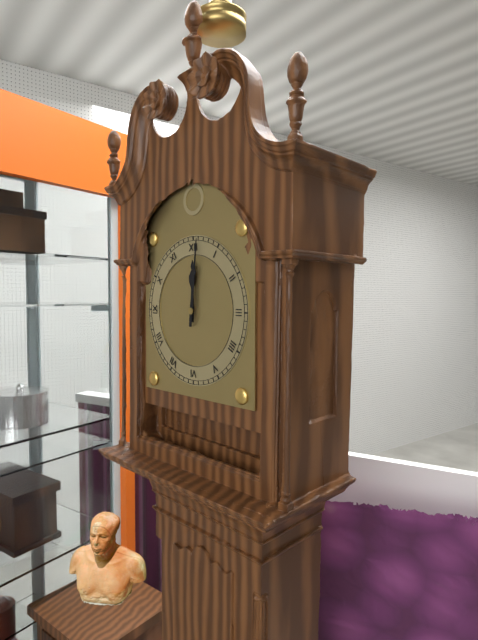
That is **12:01**
